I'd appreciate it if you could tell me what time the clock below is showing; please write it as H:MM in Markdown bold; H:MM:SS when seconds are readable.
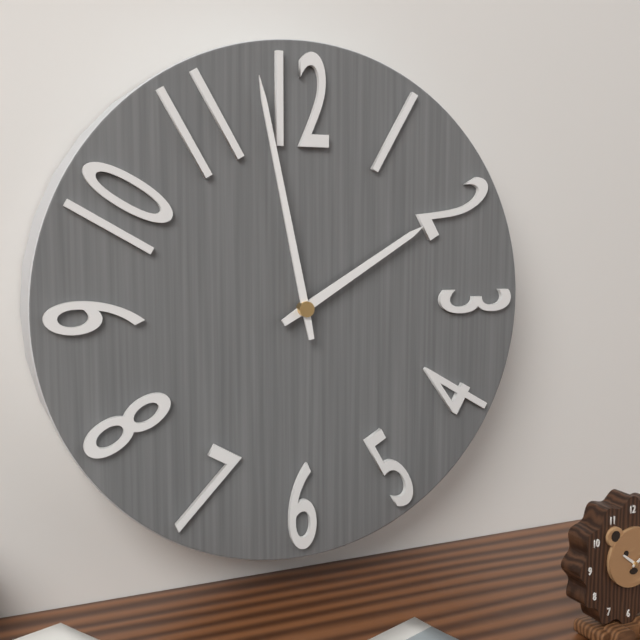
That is **1:58**
